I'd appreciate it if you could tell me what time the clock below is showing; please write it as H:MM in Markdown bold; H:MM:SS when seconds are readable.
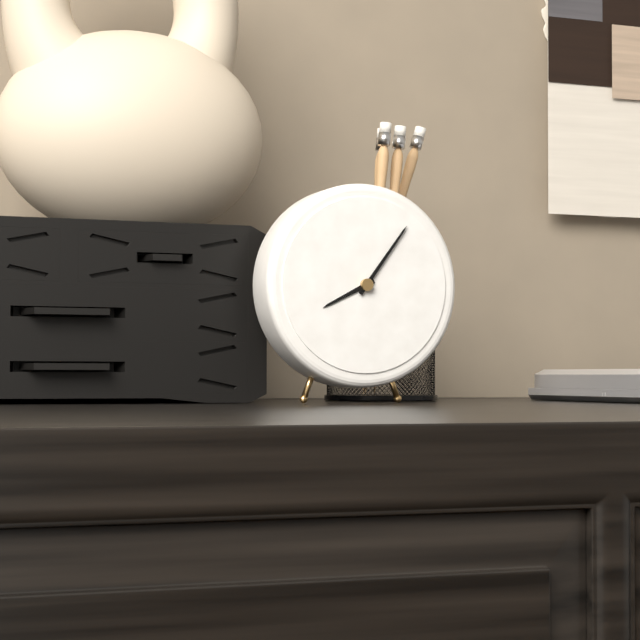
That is **8:06**
